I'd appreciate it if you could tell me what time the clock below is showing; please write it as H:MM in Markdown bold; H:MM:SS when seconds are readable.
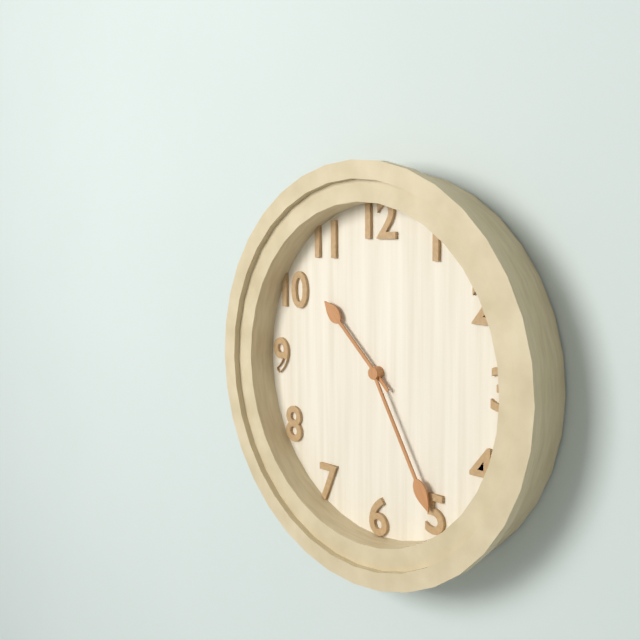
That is **10:25**
